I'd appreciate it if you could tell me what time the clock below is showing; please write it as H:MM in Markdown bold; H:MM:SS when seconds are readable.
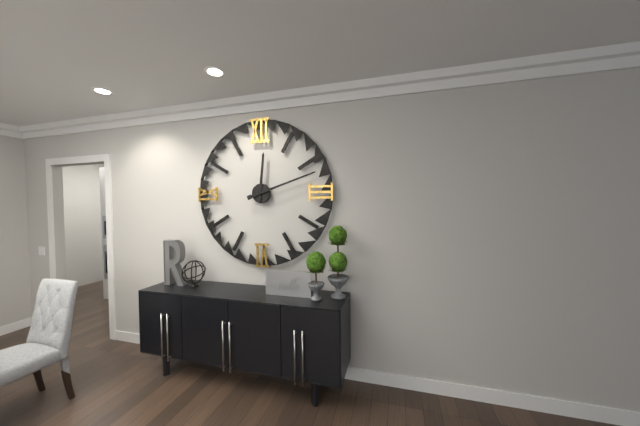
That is **12:12**
